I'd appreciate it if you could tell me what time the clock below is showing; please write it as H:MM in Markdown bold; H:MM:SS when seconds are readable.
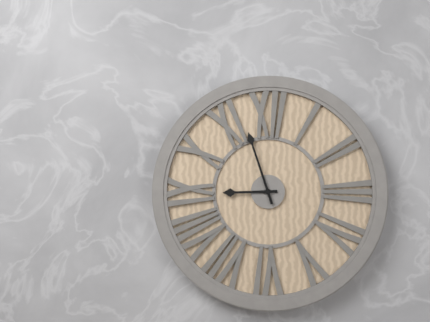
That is **8:57**
